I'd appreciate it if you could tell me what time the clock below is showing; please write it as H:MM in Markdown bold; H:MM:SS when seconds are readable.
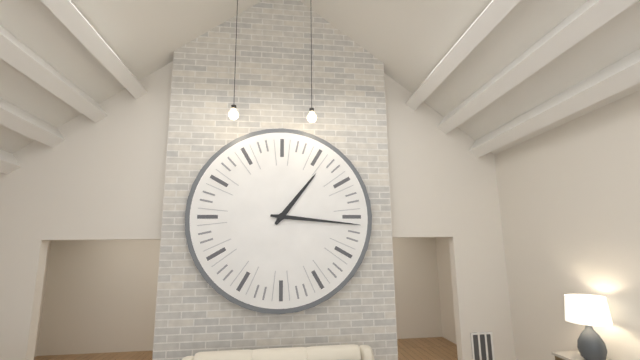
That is **1:16**
